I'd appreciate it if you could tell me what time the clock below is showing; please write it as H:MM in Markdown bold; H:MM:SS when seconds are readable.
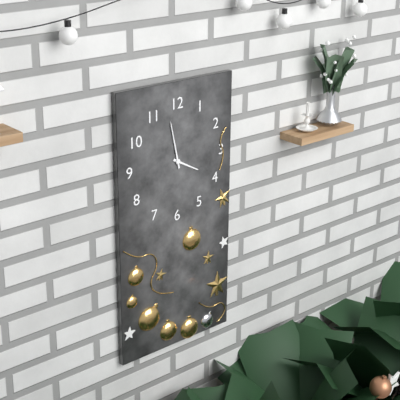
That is **3:58**
